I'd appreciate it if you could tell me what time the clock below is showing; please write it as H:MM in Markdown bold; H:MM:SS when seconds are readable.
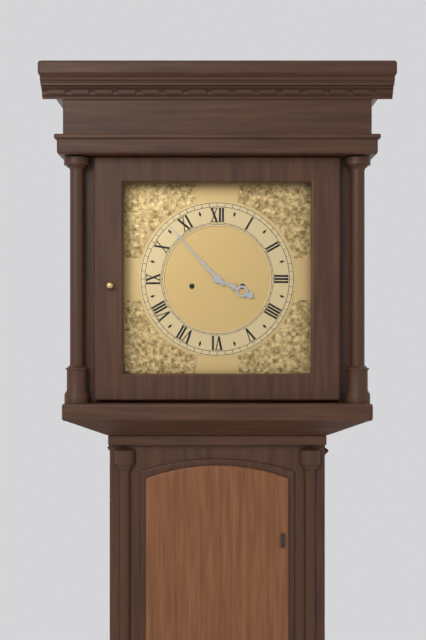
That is **3:53**
